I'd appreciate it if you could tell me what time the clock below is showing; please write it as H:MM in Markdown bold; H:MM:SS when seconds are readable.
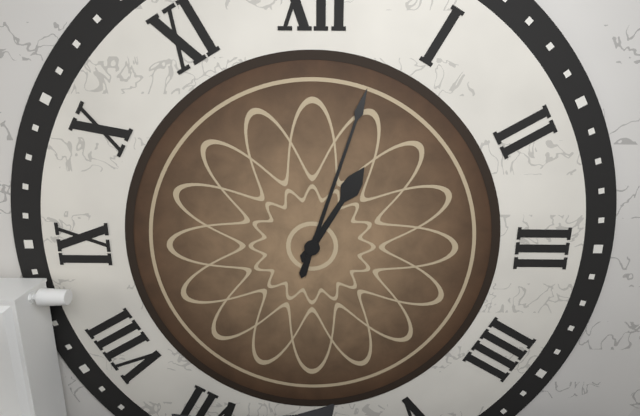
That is **1:03**
